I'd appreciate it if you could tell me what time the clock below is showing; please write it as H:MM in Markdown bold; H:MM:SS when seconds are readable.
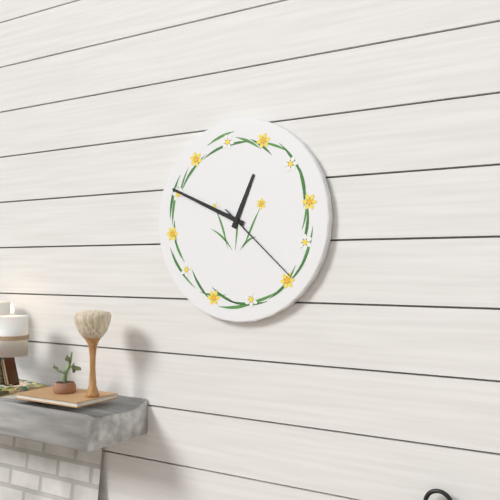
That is **12:49:22**
